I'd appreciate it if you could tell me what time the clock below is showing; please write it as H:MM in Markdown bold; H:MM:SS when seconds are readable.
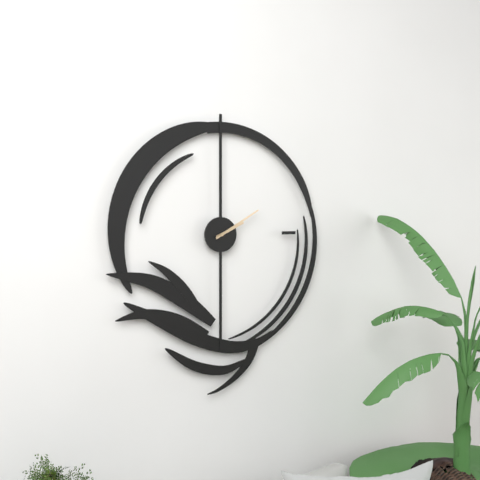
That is **2:10**
